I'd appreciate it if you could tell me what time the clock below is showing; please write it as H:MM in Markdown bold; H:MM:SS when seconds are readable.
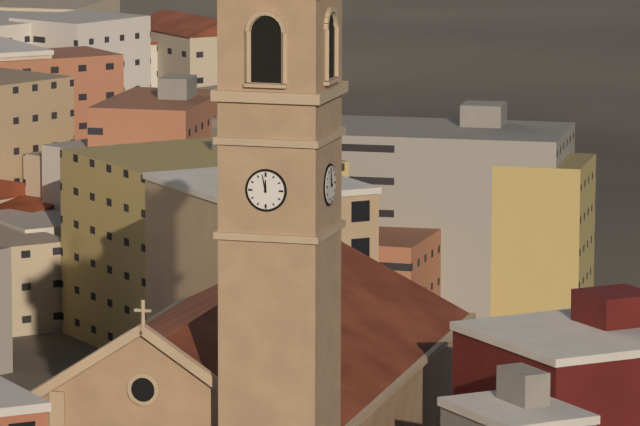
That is **11:58**
